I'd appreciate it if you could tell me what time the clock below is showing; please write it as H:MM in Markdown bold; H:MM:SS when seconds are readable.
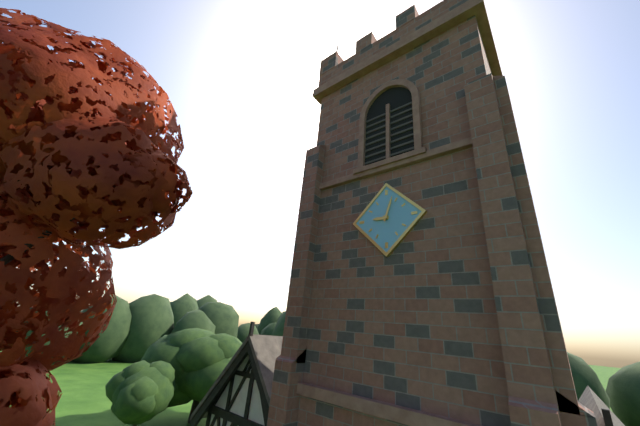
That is **9:03**
